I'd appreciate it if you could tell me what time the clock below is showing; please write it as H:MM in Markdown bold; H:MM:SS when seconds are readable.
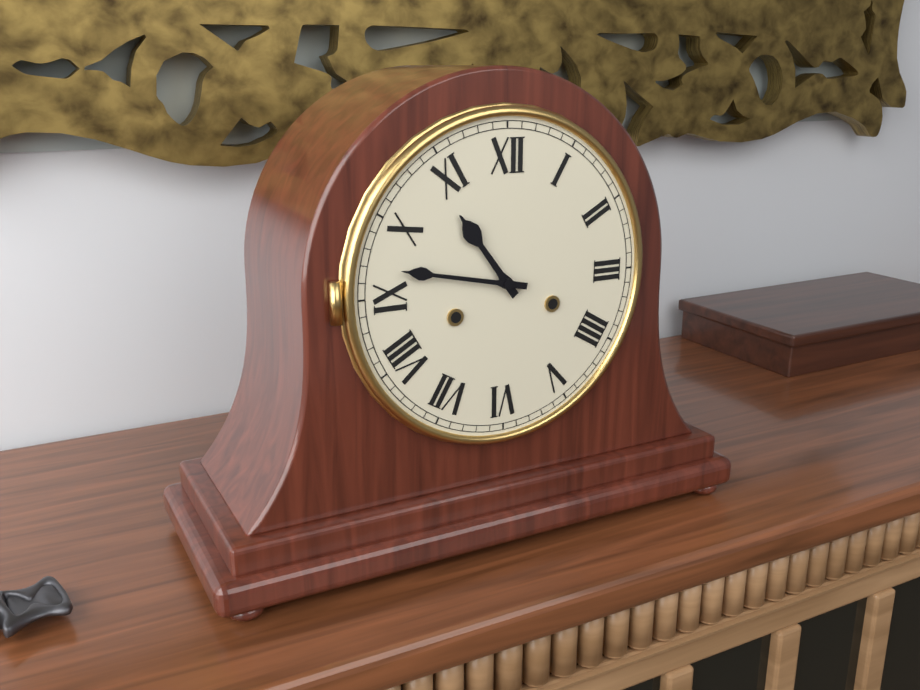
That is **10:47**
